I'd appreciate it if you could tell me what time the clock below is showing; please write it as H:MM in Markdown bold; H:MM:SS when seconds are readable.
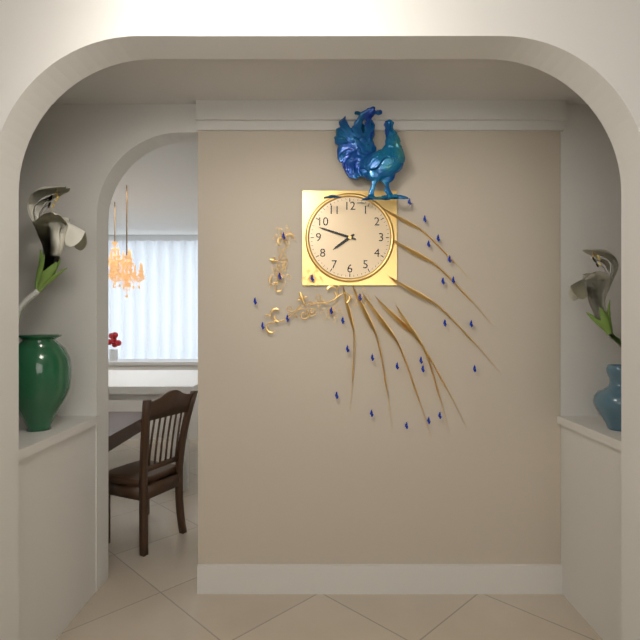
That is **7:48**
